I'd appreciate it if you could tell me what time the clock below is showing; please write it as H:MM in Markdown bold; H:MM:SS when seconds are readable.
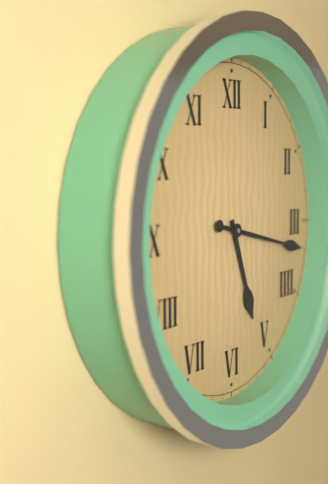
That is **5:17**
